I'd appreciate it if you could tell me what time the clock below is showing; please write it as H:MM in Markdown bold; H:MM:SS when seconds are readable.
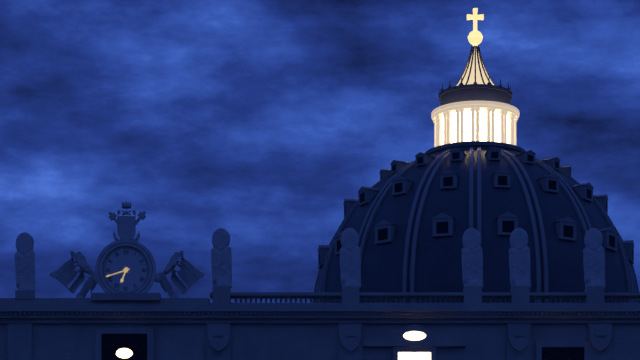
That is **6:42**
